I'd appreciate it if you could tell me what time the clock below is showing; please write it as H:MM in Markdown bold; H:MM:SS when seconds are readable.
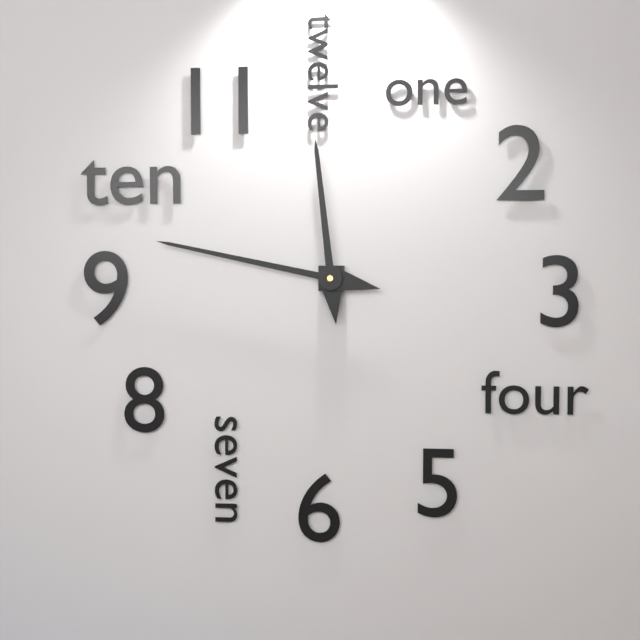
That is **11:47**
